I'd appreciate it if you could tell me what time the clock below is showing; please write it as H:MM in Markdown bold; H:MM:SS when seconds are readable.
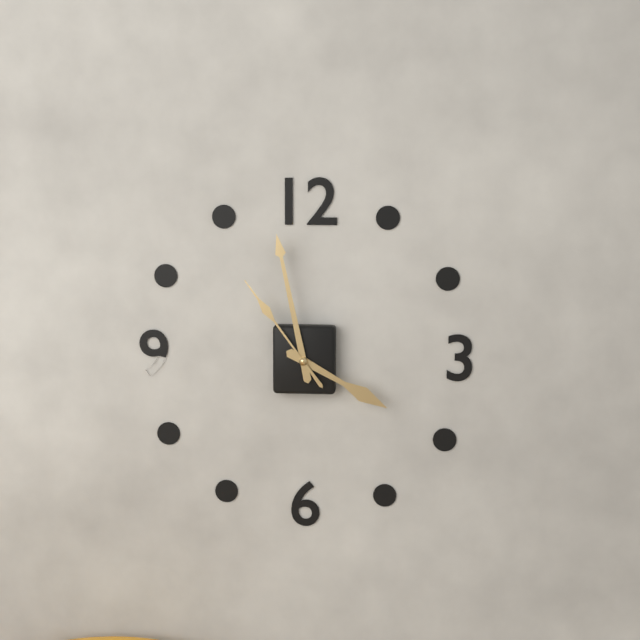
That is **3:58:54**
